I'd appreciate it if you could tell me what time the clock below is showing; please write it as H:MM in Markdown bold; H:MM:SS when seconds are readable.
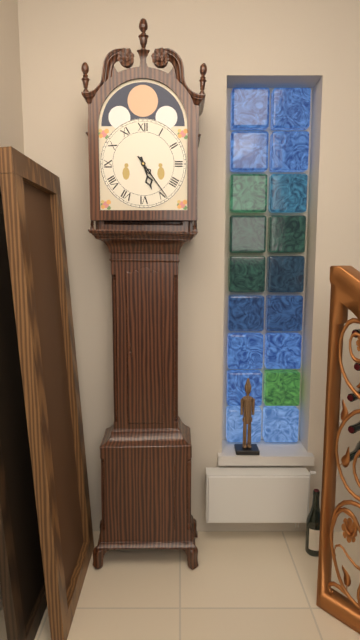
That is **5:24**
